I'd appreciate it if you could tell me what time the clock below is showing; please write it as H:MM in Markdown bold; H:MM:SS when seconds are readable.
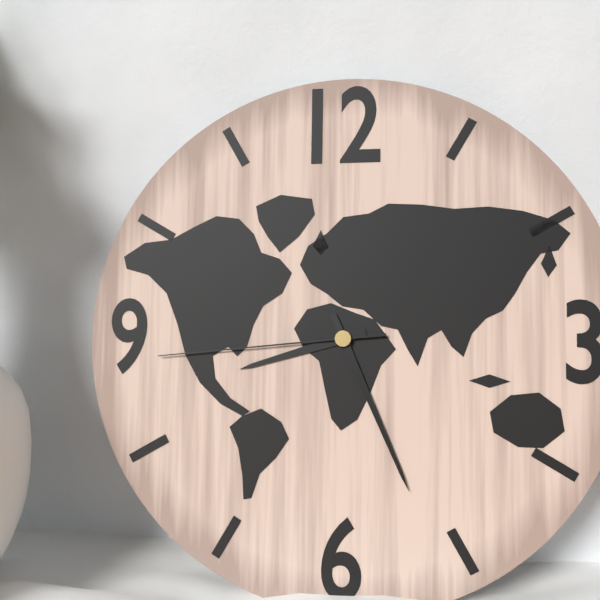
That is **8:26:44**
